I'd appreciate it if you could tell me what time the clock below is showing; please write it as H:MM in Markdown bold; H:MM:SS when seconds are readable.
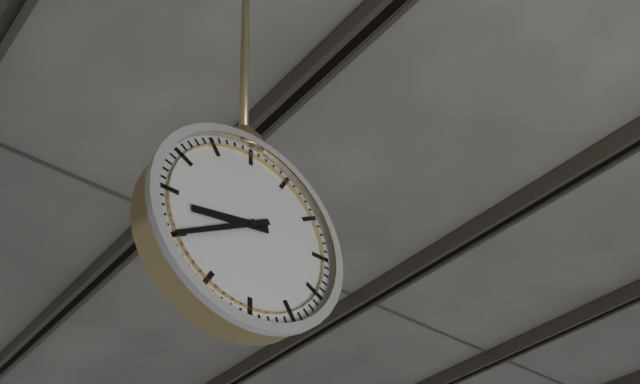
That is **8:40**
